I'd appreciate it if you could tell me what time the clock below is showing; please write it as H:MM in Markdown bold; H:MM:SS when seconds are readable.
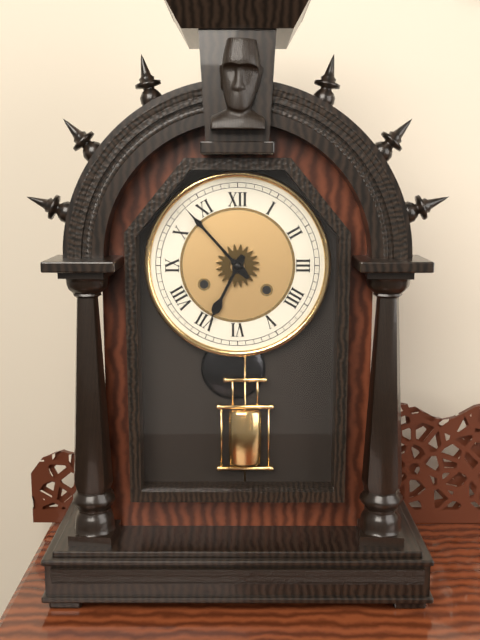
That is **6:53**
